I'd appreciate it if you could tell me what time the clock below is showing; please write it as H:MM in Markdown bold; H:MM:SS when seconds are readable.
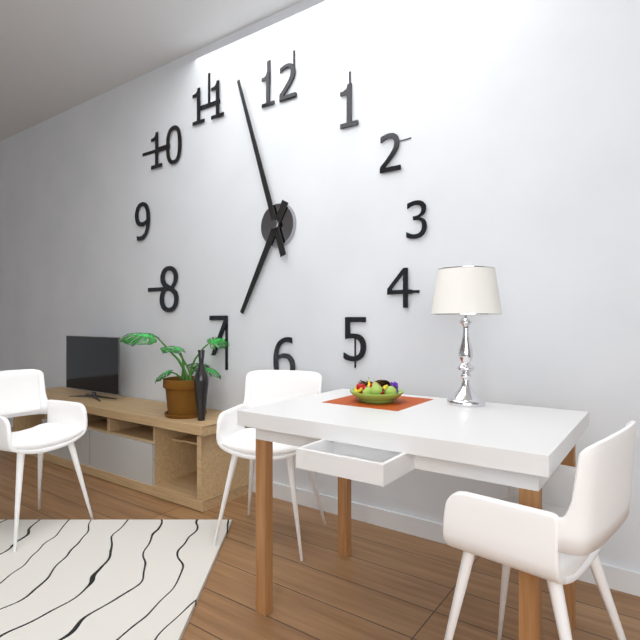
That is **6:57**
